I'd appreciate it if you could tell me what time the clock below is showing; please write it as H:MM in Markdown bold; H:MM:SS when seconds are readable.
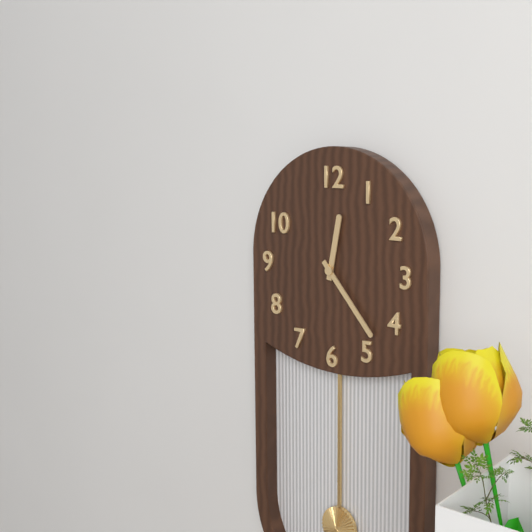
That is **12:23**
